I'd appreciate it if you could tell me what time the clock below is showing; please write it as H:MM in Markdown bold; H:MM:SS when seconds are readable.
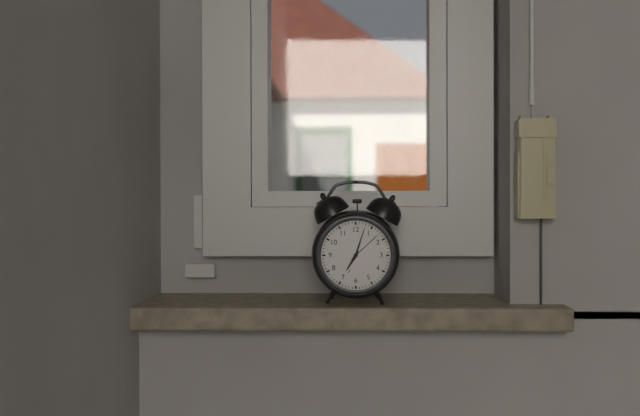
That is **7:03**
